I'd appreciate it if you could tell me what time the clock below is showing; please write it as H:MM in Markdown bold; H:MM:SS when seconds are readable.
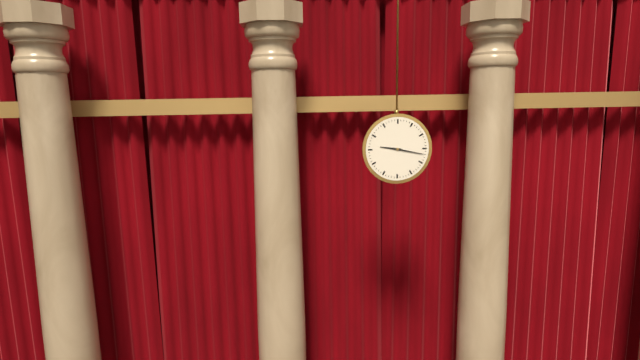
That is **9:17**
